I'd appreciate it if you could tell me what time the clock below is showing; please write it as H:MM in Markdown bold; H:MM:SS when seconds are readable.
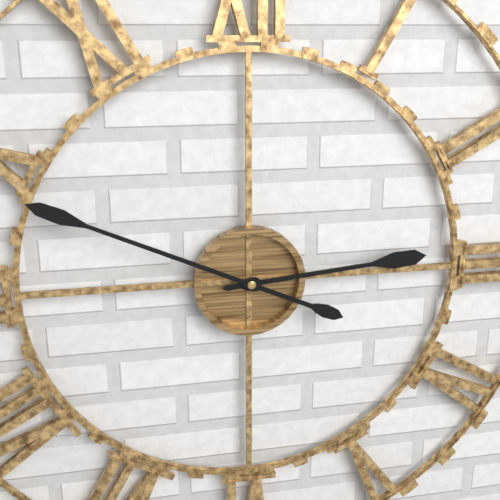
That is **2:49**
